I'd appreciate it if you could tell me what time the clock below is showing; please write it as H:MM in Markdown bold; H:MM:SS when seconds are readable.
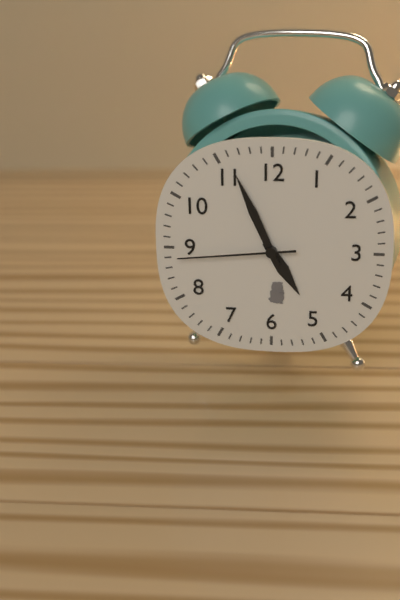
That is **4:56:44**
